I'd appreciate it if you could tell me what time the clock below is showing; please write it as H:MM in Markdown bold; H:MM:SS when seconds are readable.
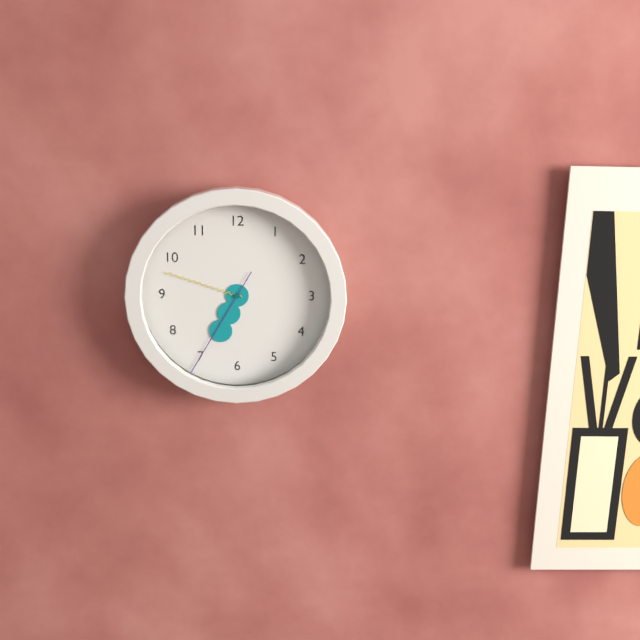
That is **6:48:35**
